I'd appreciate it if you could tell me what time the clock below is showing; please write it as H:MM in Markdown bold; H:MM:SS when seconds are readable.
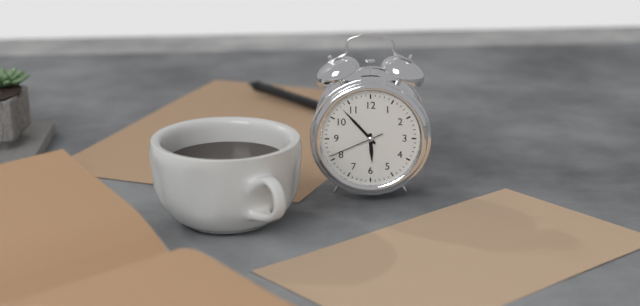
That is **5:53:41**
